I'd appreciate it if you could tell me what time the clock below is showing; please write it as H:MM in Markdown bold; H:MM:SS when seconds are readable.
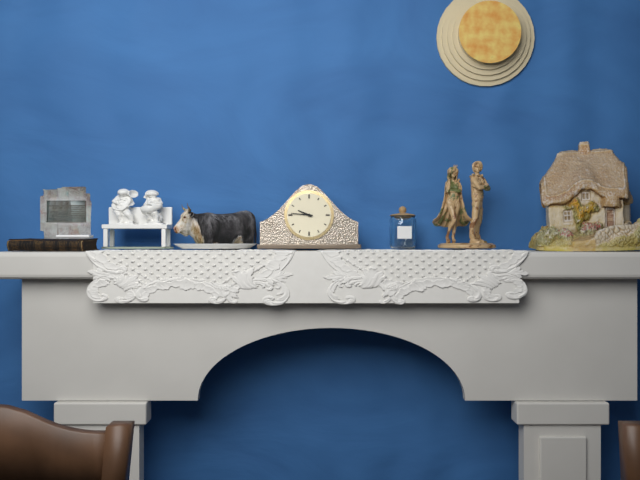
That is **9:46**
